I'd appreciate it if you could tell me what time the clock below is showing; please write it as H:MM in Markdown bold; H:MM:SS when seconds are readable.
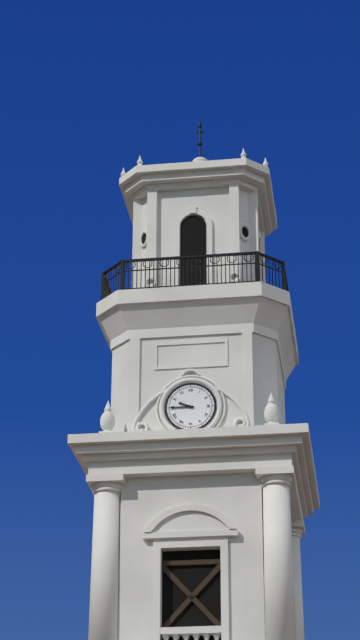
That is **9:45**
